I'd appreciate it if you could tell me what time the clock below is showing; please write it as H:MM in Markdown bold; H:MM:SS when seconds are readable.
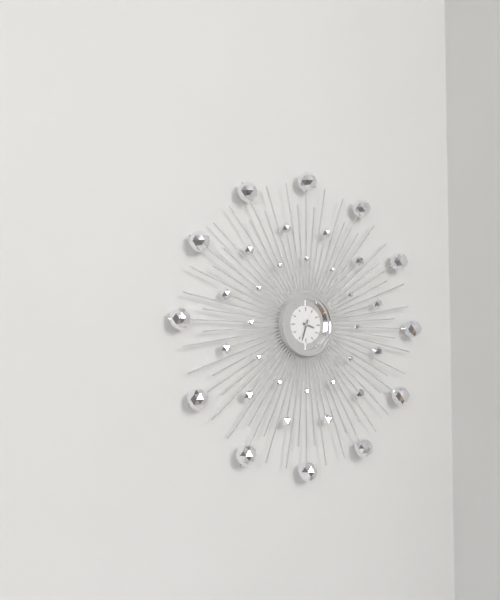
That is **3:33**
